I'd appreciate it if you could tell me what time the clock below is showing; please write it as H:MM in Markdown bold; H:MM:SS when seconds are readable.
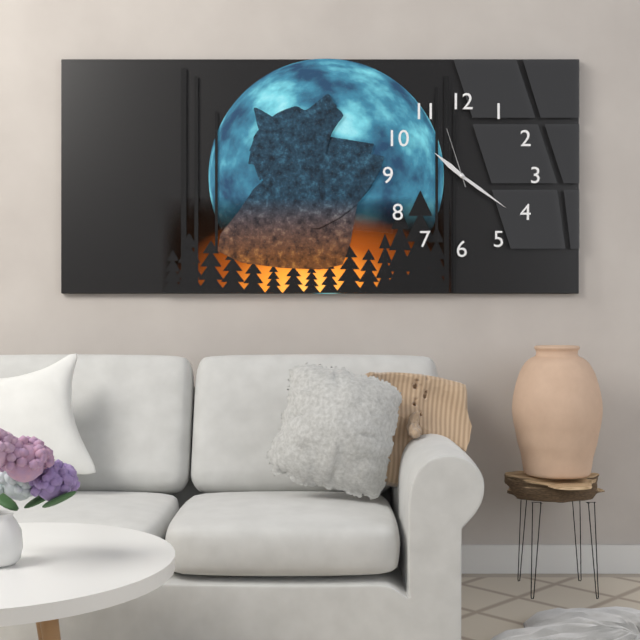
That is **10:21:57**
